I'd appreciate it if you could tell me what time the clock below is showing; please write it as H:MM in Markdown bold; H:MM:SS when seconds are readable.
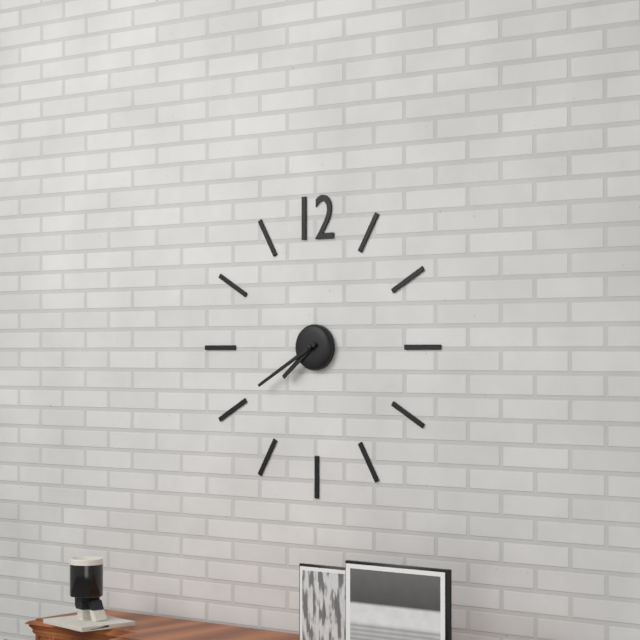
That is **7:40**
